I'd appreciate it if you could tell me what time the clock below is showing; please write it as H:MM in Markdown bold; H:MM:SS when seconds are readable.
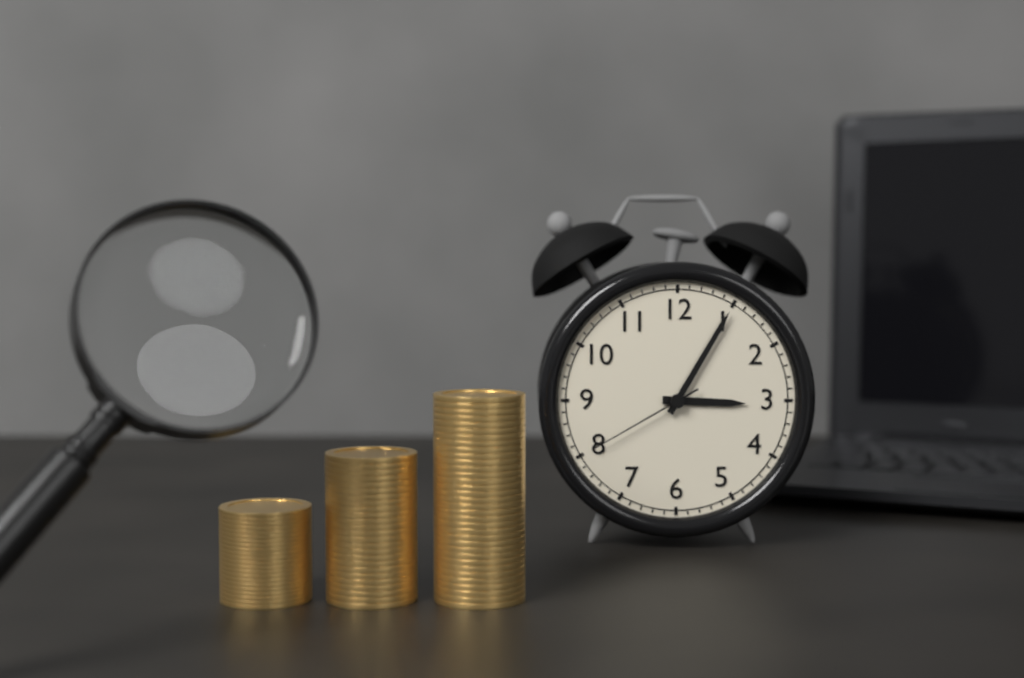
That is **3:05:40**
